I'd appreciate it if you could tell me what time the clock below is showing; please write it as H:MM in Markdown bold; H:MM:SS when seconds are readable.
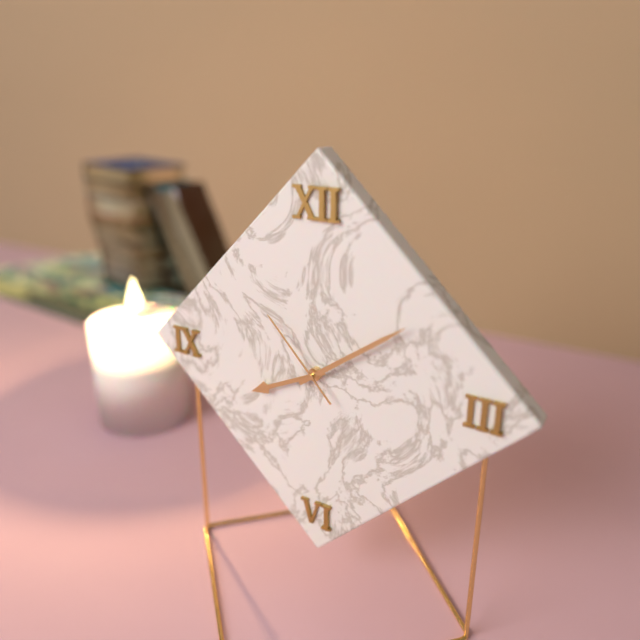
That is **8:09:53**
